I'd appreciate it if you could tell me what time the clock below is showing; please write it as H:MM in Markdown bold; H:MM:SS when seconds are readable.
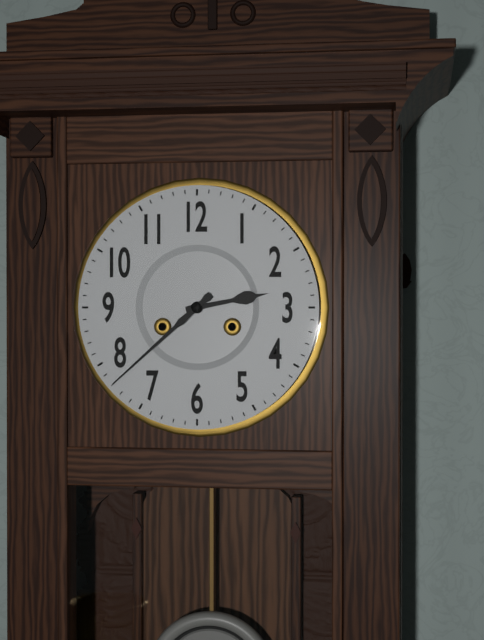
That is **2:38**
